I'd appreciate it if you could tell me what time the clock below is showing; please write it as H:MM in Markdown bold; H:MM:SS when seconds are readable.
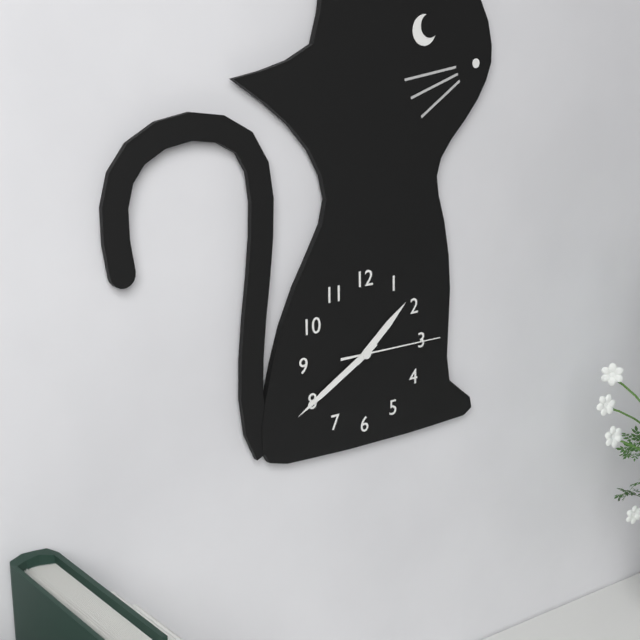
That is **1:40:15**
